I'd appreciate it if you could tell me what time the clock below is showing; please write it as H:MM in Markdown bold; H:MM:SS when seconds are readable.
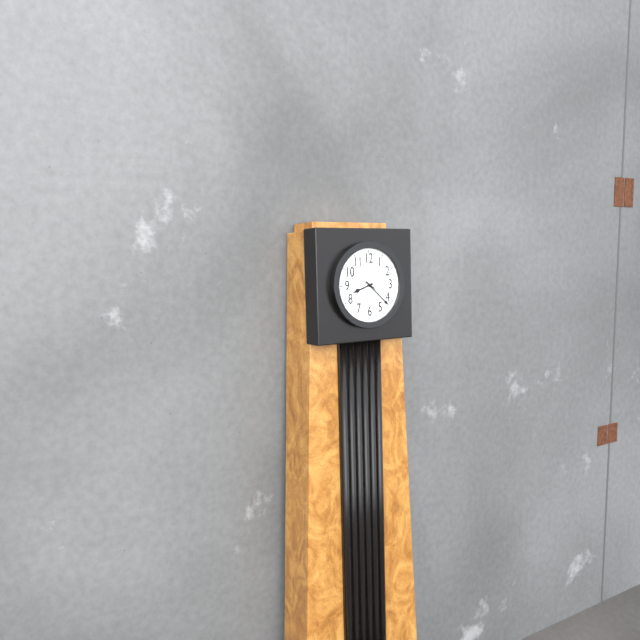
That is **8:22**
